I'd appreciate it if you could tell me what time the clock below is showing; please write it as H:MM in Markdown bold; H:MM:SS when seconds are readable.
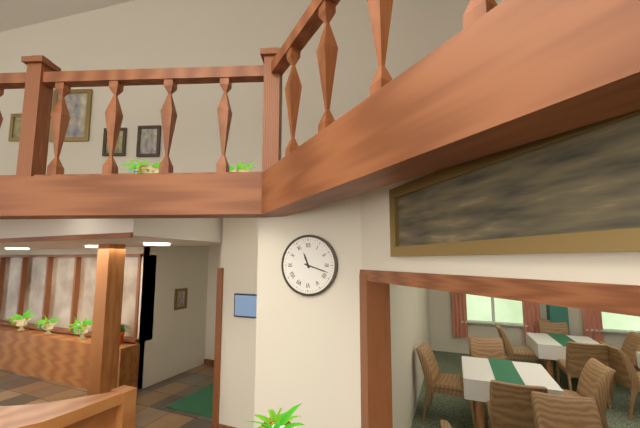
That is **11:18**
